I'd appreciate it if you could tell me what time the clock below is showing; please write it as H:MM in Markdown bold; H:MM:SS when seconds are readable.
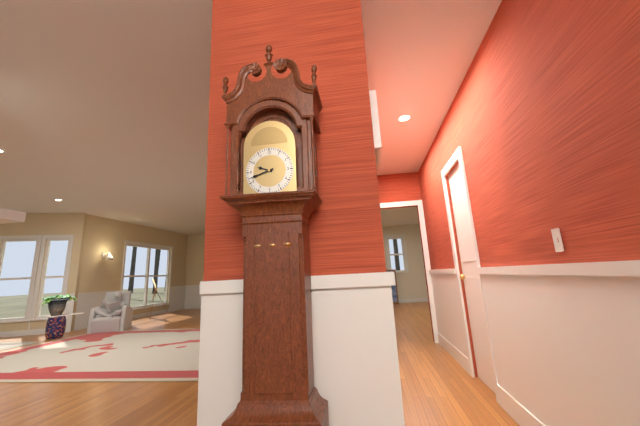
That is **9:42**
